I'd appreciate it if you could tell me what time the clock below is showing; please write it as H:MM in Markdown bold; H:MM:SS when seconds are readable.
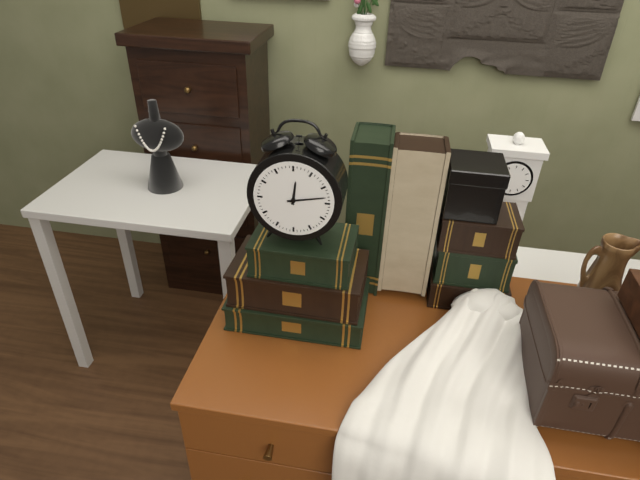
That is **12:13**
